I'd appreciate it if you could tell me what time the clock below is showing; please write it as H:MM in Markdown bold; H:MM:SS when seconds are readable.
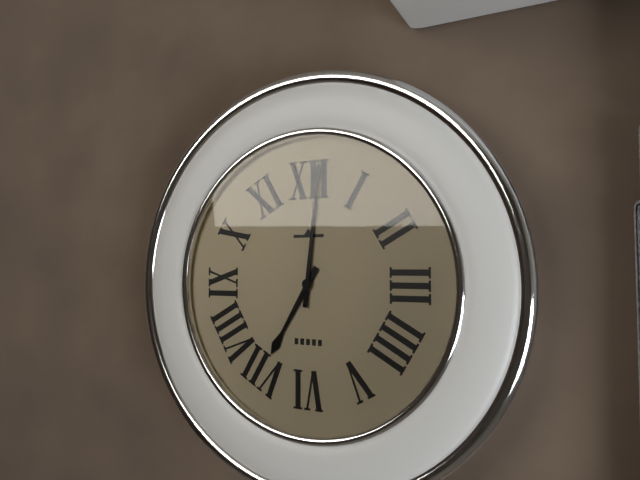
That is **7:01**
